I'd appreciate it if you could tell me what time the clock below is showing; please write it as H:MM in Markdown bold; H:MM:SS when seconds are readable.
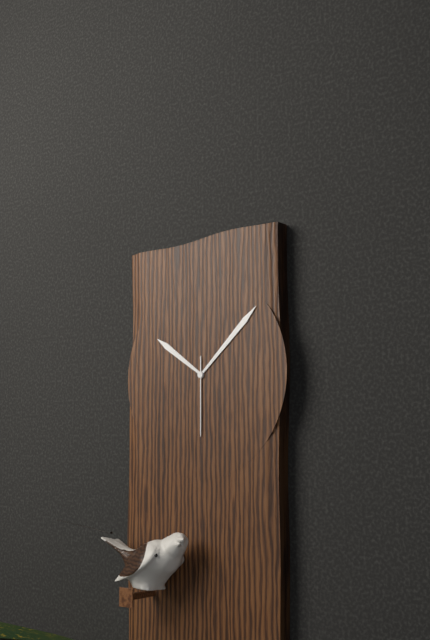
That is **10:08:30**
